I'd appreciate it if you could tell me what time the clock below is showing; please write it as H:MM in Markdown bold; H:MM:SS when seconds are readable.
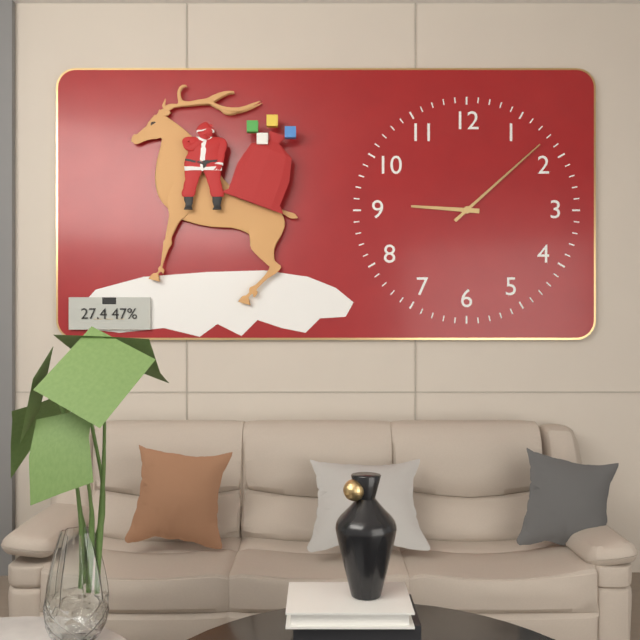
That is **9:08**
